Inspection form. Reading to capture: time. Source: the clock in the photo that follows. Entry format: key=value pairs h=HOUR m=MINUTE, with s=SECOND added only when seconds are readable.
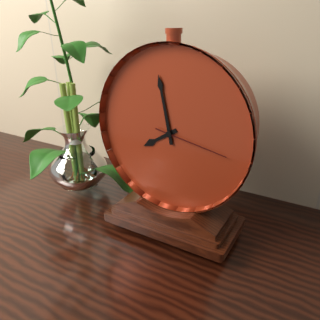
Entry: h=7 m=58 s=17
